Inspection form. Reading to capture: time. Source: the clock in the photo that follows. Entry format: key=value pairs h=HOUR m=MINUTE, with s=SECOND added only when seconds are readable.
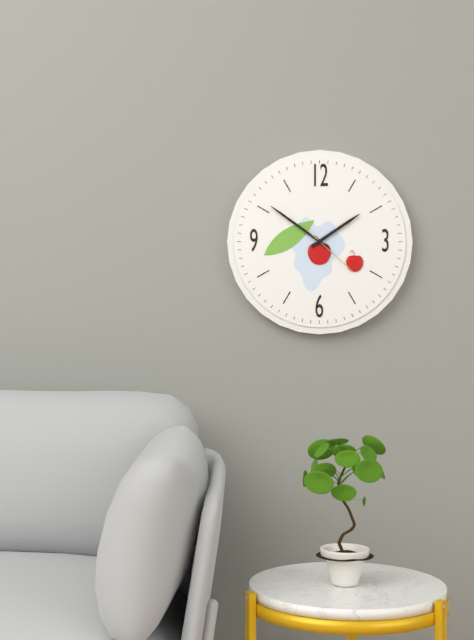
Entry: h=1 m=51 s=22
